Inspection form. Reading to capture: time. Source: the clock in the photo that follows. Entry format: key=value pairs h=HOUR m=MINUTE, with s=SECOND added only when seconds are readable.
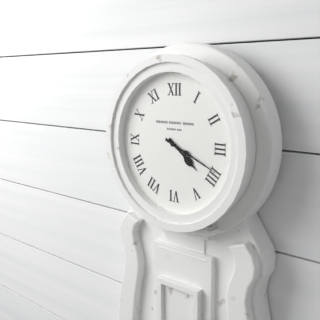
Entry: h=4 m=19
